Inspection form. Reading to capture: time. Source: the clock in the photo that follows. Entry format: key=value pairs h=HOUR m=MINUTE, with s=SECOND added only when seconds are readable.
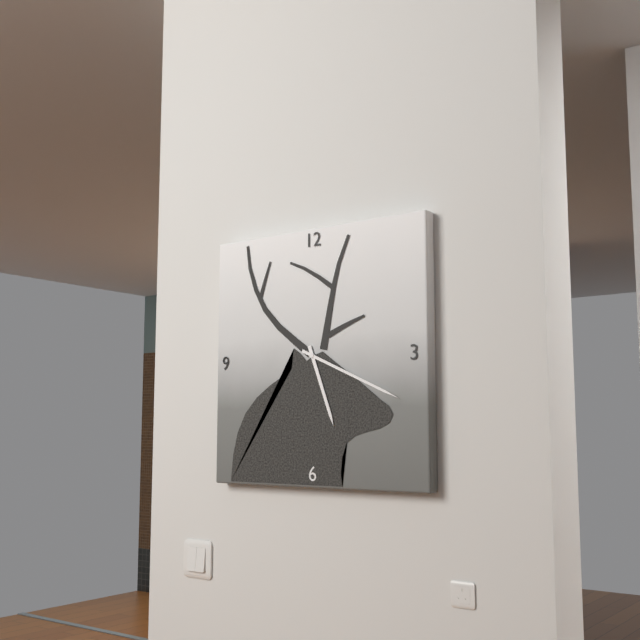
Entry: h=5 m=19
